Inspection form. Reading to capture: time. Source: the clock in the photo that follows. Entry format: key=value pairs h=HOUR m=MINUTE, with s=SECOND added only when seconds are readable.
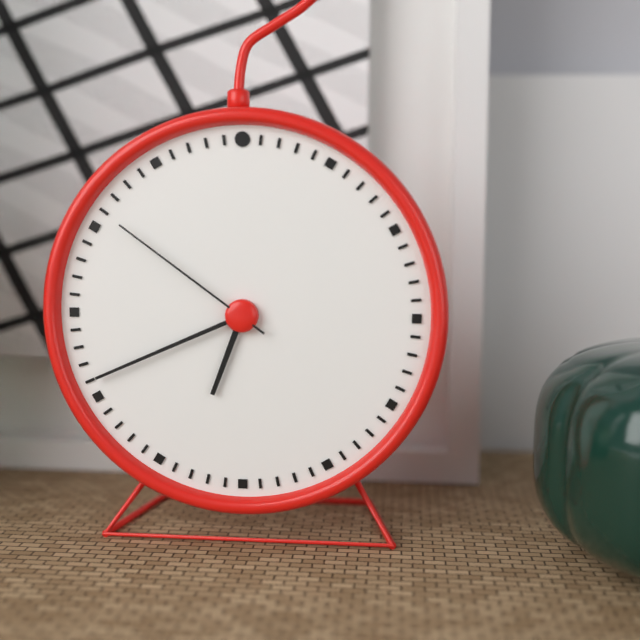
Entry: h=6 m=41 s=51
